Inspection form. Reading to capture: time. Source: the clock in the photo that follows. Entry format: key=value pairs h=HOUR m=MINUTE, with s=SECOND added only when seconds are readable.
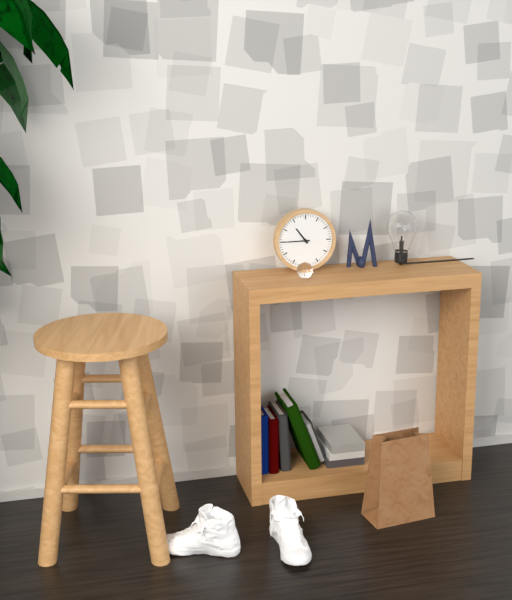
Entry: h=10 m=45
